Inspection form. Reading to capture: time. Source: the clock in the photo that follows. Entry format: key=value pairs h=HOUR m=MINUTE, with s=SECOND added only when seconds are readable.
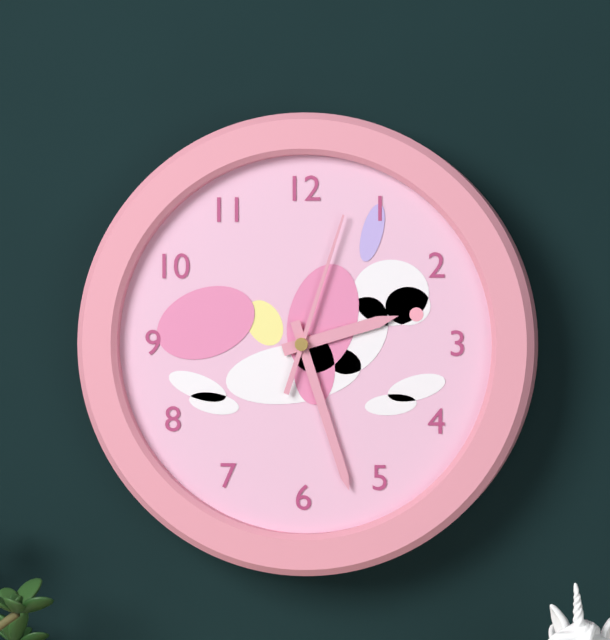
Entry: h=2 m=27 s=3
